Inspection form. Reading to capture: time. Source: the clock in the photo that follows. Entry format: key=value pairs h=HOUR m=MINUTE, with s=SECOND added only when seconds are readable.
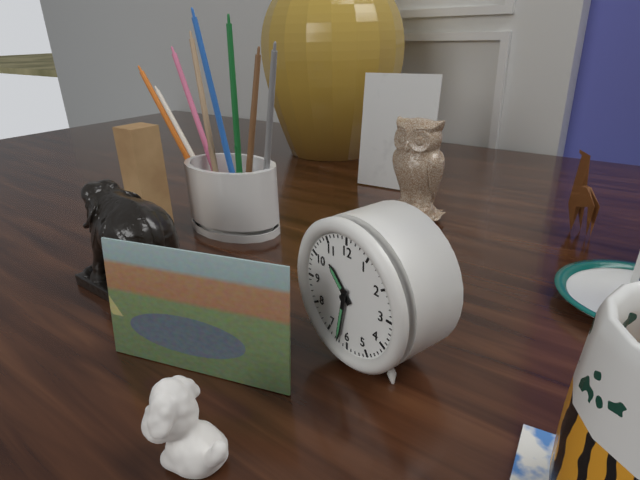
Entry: h=10 m=32
